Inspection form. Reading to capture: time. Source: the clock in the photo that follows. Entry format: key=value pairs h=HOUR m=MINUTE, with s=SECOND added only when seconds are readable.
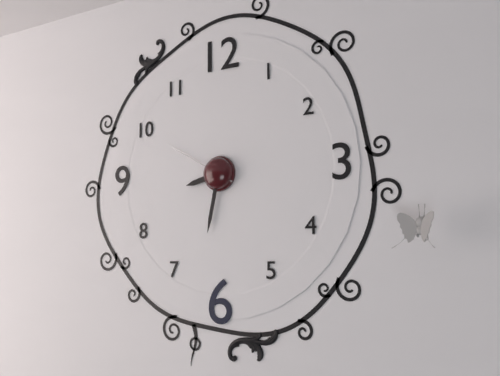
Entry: h=8 m=32 s=50
